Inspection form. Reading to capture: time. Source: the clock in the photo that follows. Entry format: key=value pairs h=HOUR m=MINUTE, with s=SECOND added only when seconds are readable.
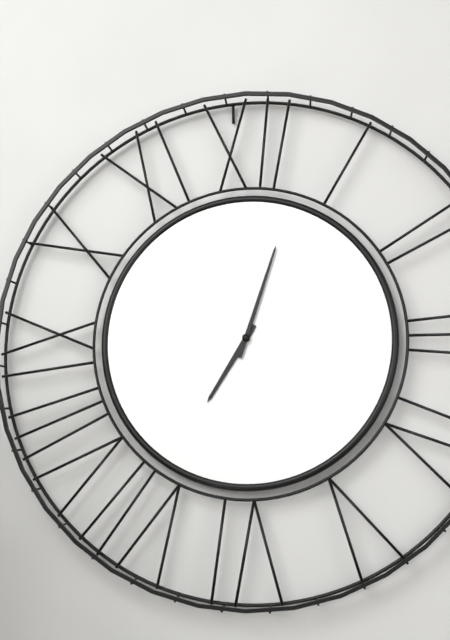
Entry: h=7 m=3
